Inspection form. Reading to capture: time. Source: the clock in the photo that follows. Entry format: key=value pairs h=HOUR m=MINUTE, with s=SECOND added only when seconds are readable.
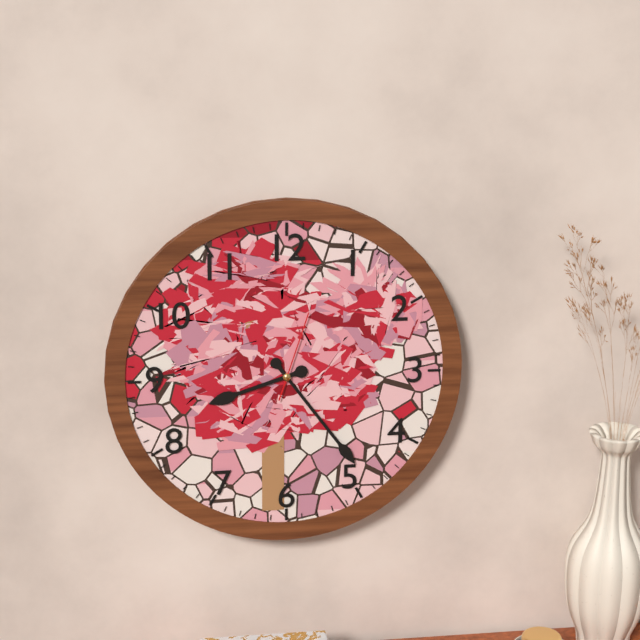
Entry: h=8 m=24 s=3
